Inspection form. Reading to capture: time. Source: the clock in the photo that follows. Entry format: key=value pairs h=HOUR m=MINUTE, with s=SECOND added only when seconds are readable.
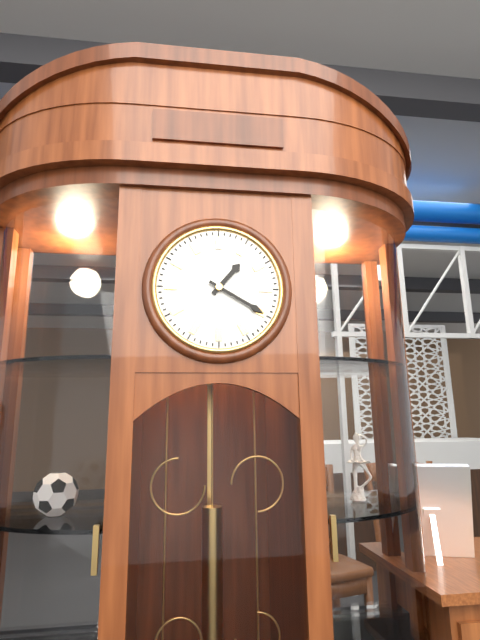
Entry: h=1 m=20
